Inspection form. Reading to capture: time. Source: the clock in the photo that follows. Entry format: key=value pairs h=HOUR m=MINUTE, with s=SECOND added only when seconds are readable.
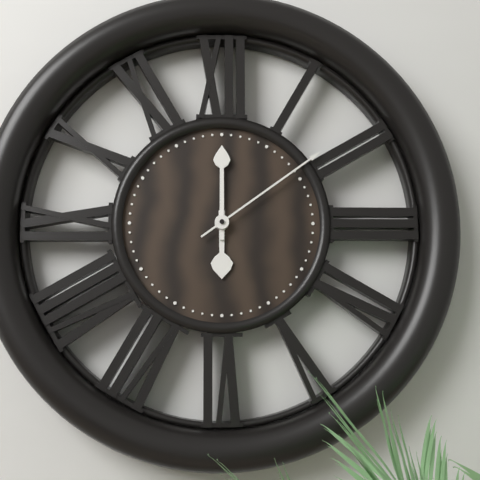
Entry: h=6 m=0 s=9
